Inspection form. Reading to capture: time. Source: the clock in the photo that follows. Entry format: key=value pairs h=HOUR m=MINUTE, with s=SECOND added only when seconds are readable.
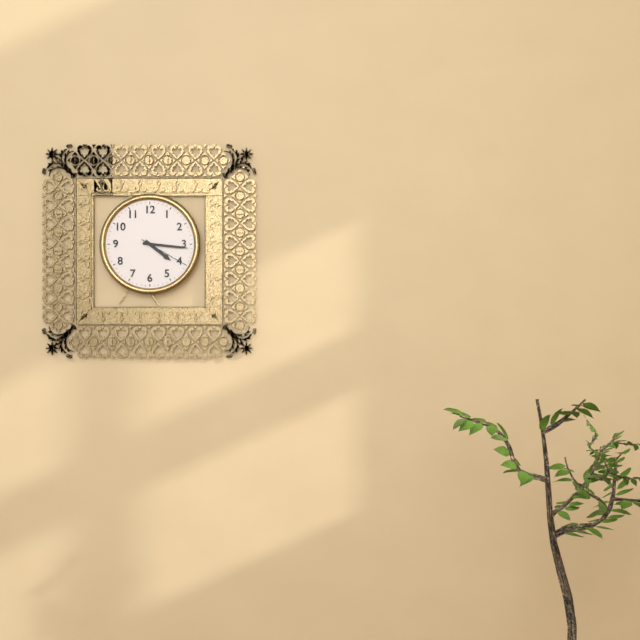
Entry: h=4 m=16 s=20
